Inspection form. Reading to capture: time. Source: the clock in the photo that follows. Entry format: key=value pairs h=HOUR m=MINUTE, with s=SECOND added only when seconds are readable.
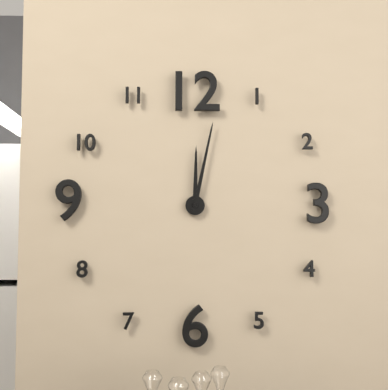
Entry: h=12 m=2
